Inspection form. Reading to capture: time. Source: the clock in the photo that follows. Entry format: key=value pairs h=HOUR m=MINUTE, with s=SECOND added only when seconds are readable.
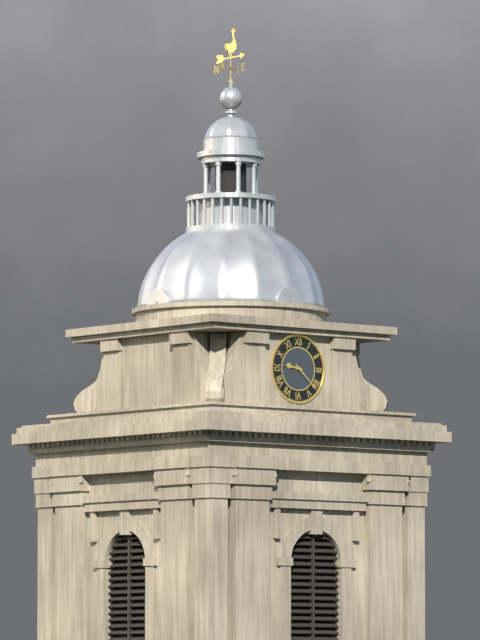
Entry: h=9 m=22
